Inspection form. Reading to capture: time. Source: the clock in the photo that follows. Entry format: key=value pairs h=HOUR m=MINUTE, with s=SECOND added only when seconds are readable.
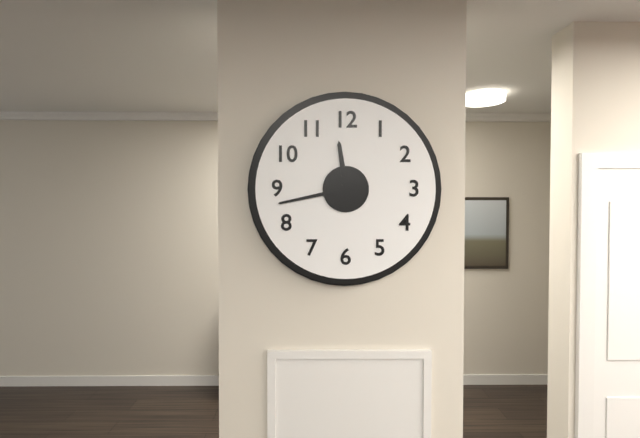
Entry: h=11 m=43
